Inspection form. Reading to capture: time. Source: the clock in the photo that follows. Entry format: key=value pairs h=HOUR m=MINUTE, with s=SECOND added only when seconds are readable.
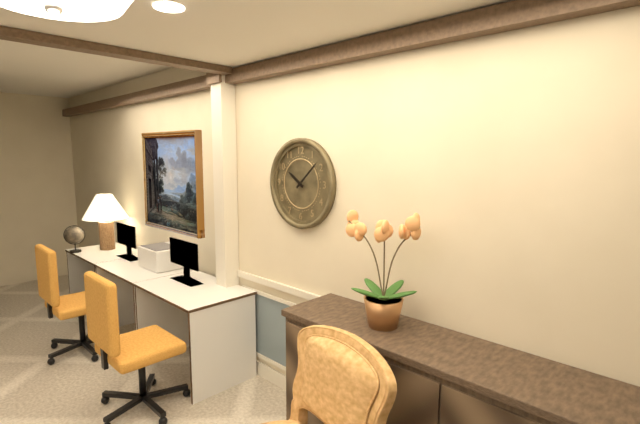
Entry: h=10 m=8
